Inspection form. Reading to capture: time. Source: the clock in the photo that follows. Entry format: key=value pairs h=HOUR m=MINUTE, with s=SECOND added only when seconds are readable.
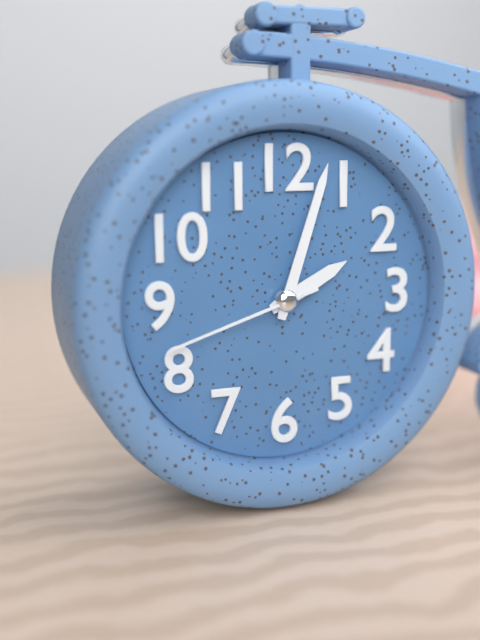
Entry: h=2 m=3 s=42
